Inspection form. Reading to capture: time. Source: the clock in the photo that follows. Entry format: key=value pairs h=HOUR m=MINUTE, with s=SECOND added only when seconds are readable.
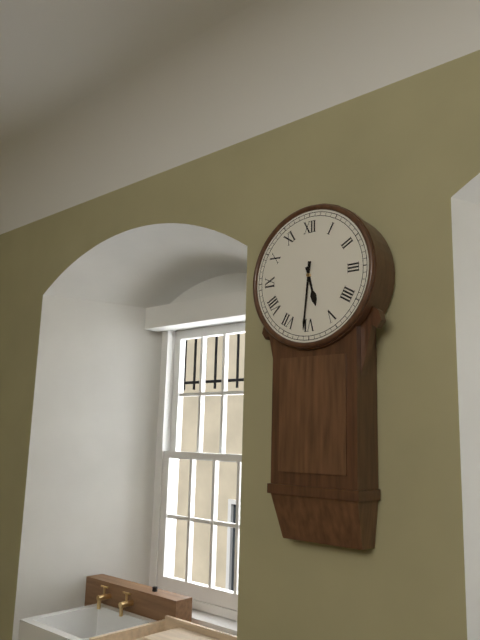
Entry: h=5 m=31
